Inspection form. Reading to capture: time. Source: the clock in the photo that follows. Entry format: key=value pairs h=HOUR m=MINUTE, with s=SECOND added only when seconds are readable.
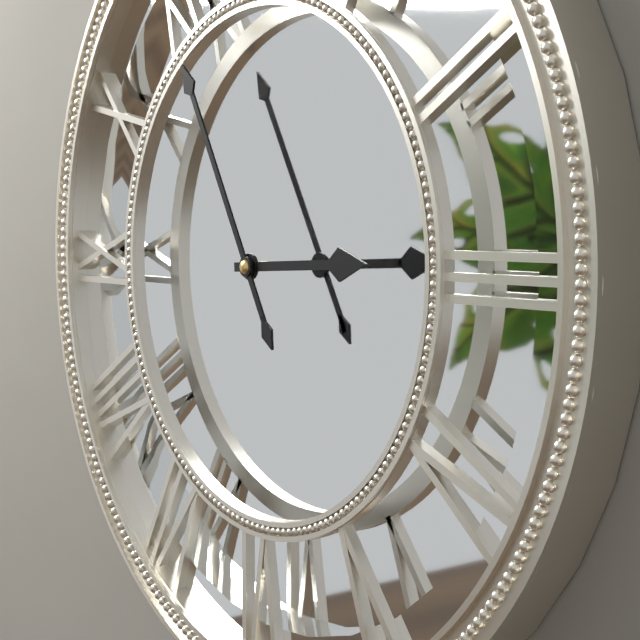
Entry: h=2 m=55
